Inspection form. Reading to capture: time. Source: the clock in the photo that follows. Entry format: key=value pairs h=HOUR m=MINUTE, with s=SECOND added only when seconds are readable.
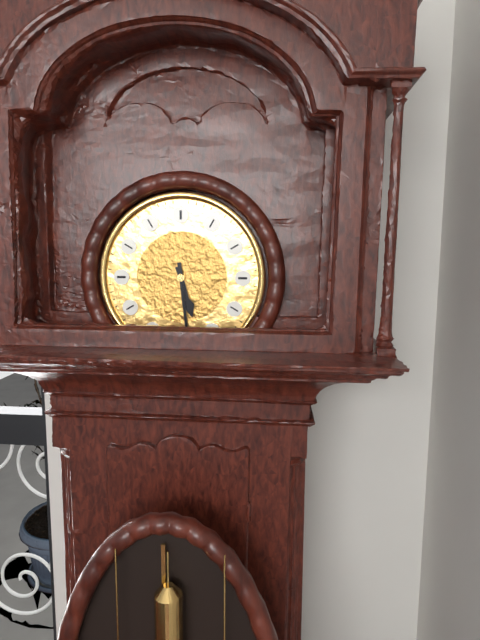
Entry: h=5 m=29
